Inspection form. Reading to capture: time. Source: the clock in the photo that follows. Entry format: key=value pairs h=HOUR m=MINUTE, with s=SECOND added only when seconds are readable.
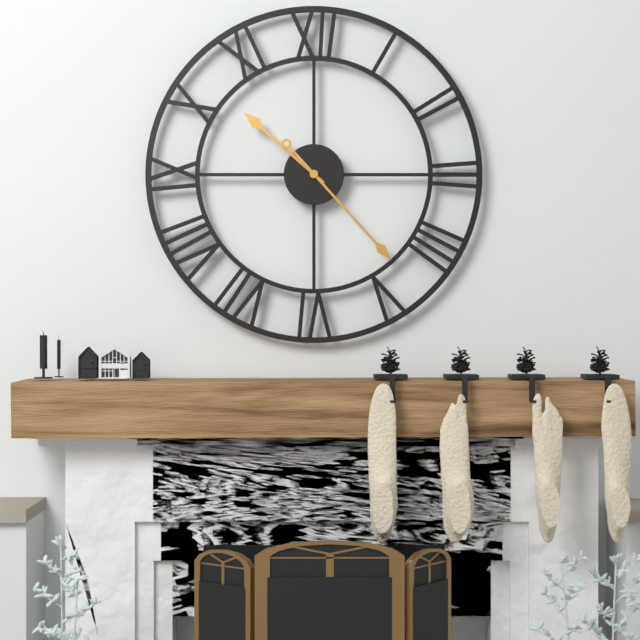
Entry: h=10 m=23
